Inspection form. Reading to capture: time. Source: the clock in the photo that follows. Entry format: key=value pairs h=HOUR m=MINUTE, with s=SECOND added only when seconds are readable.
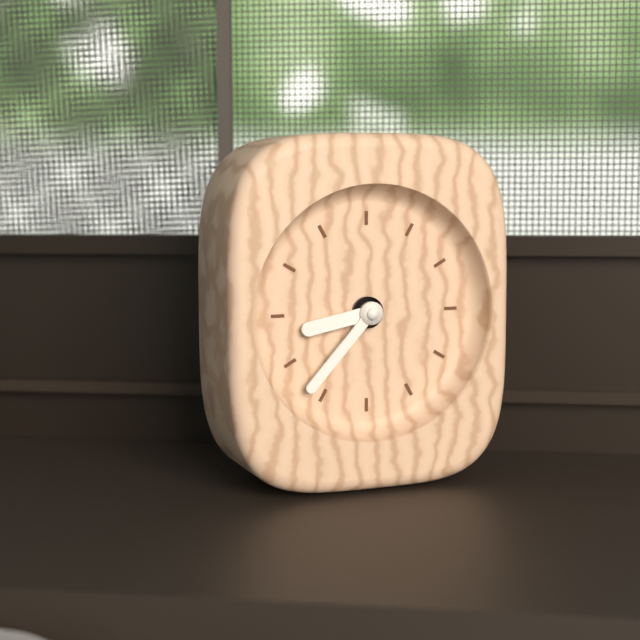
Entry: h=8 m=37
